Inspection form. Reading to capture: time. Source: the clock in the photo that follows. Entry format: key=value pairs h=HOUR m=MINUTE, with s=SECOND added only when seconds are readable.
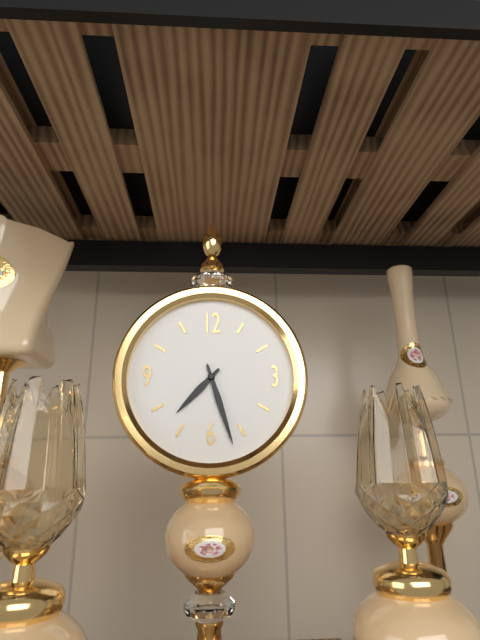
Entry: h=7 m=27
